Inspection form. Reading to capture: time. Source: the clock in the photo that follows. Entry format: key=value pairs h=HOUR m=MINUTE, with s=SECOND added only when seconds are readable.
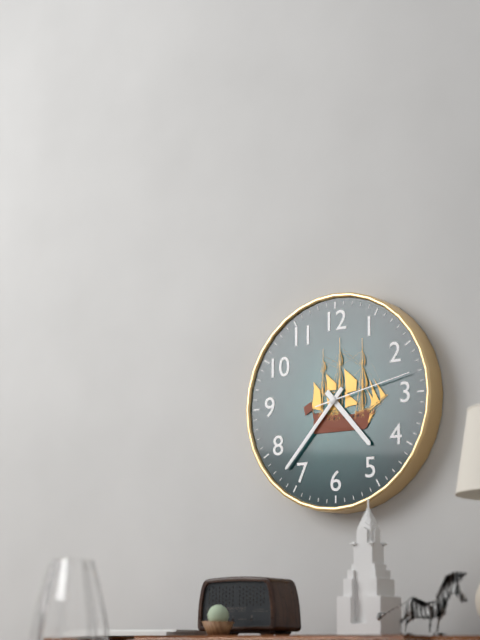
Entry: h=4 m=37 s=13
